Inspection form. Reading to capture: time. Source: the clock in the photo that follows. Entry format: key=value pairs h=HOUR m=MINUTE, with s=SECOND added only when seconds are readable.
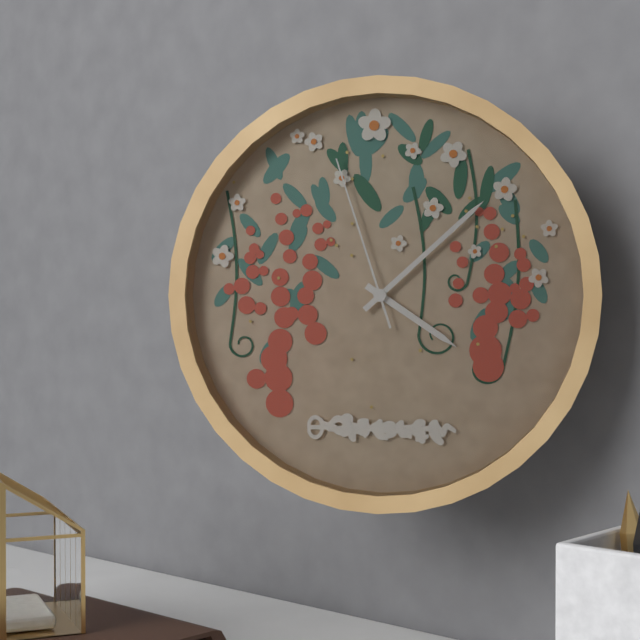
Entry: h=4 m=8 s=57
